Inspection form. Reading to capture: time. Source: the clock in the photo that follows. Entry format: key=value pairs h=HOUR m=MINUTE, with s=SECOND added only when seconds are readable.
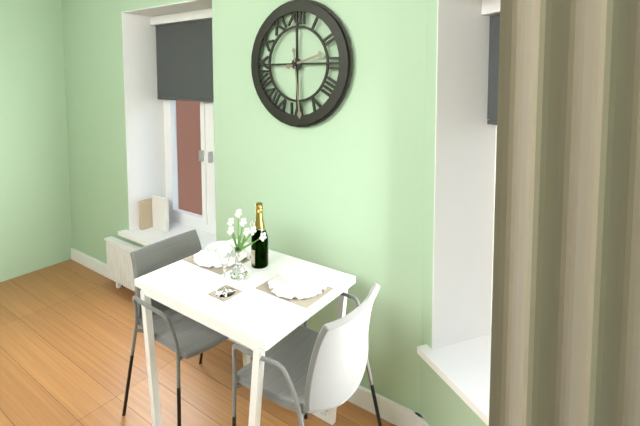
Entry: h=2 m=29
